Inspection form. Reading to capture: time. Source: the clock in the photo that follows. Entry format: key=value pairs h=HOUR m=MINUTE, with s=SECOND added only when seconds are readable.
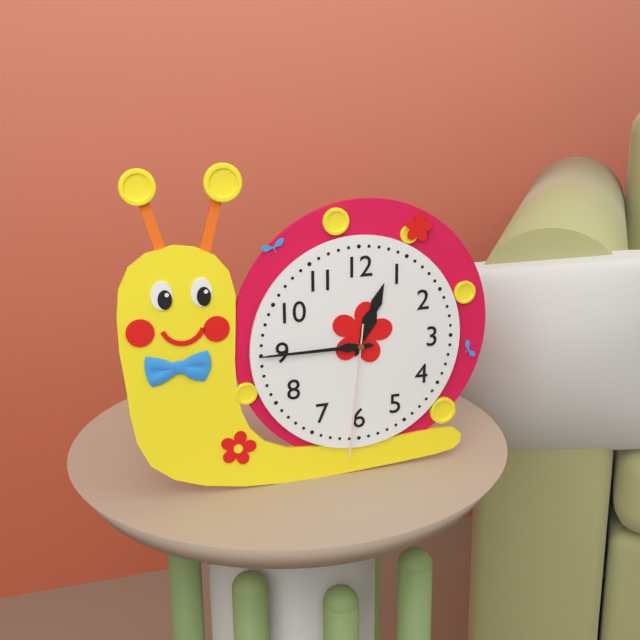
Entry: h=12 m=45 s=31
